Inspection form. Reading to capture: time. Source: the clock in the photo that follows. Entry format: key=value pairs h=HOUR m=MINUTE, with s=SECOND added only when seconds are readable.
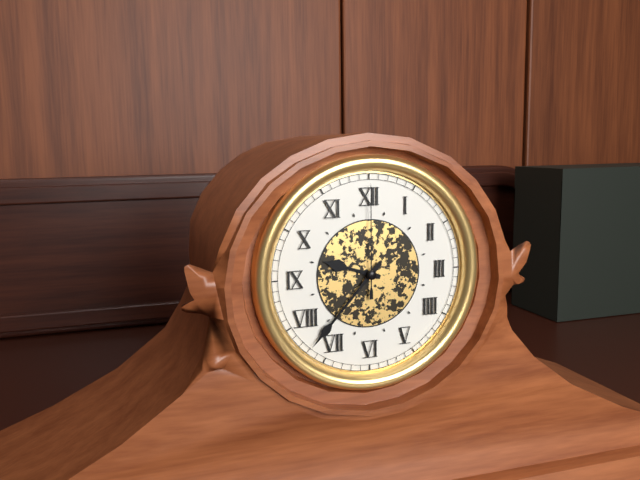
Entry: h=9 m=37 s=0
